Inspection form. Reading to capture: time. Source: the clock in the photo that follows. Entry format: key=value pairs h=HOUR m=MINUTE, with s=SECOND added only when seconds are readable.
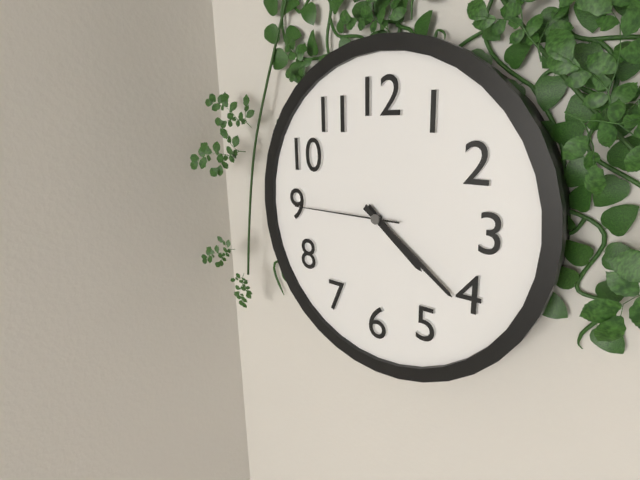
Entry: h=4 m=21 s=45
